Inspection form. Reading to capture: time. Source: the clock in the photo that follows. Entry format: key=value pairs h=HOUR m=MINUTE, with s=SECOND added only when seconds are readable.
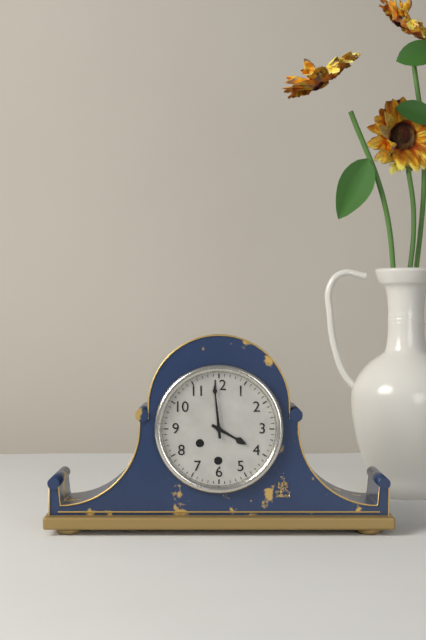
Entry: h=3 m=59
